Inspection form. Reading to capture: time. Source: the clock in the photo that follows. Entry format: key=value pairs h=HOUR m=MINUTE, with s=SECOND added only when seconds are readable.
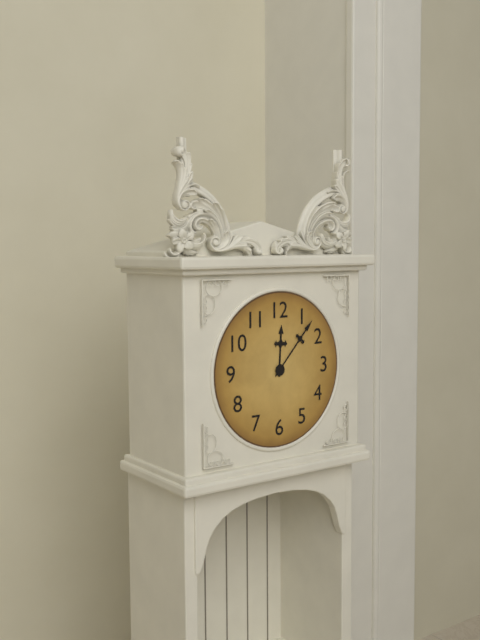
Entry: h=12 m=7
